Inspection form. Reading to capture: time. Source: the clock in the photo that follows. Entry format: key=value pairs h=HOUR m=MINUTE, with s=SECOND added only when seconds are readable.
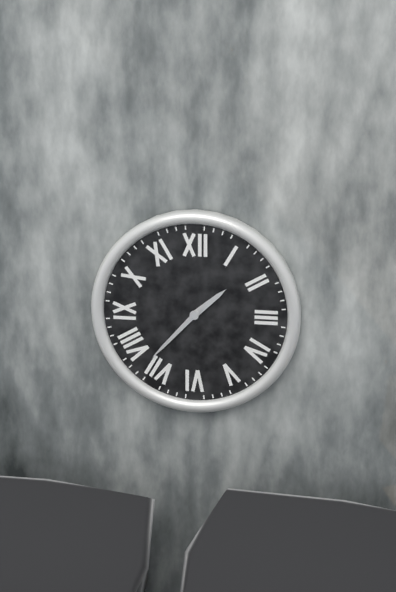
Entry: h=1 m=37
